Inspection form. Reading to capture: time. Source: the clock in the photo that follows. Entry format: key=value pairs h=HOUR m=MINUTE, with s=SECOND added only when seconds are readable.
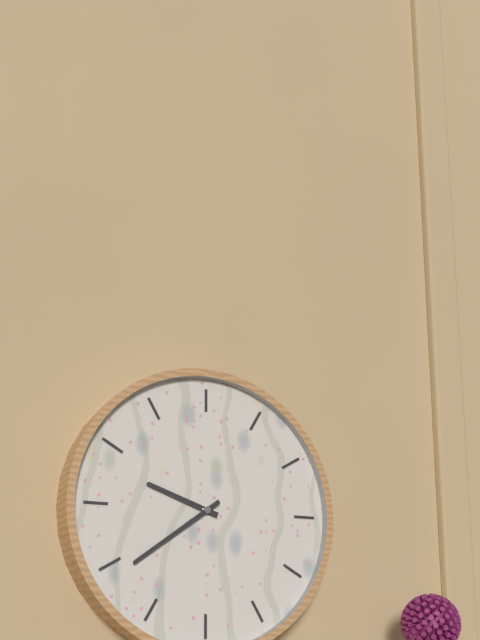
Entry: h=9 m=39
